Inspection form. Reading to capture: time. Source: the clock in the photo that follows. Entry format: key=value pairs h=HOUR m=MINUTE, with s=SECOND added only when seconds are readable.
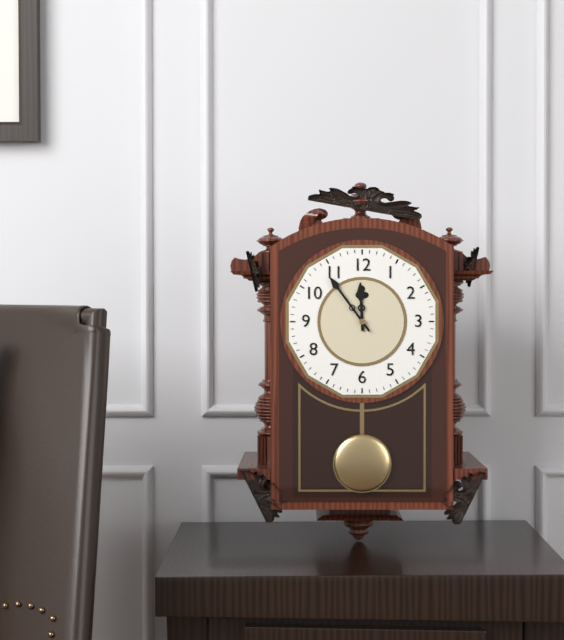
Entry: h=11 m=54
